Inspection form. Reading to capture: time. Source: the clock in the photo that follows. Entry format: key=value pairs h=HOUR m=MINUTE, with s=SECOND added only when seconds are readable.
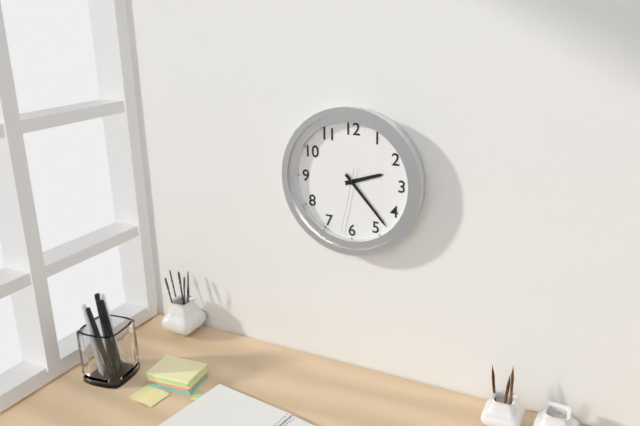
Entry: h=2 m=23 s=32
